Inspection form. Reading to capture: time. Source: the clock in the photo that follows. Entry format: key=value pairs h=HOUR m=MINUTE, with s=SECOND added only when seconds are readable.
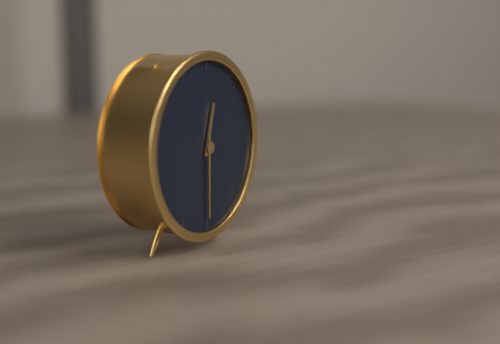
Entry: h=12 m=30
